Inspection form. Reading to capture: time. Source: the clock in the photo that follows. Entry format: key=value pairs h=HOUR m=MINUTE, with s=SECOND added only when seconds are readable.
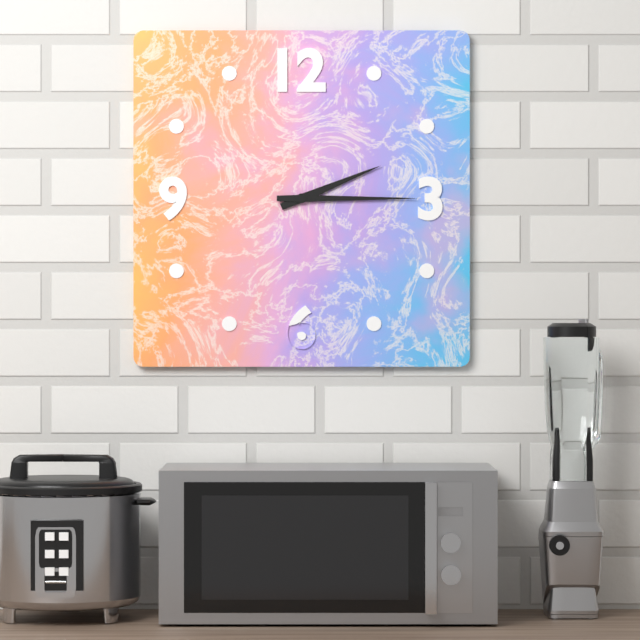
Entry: h=2 m=15
